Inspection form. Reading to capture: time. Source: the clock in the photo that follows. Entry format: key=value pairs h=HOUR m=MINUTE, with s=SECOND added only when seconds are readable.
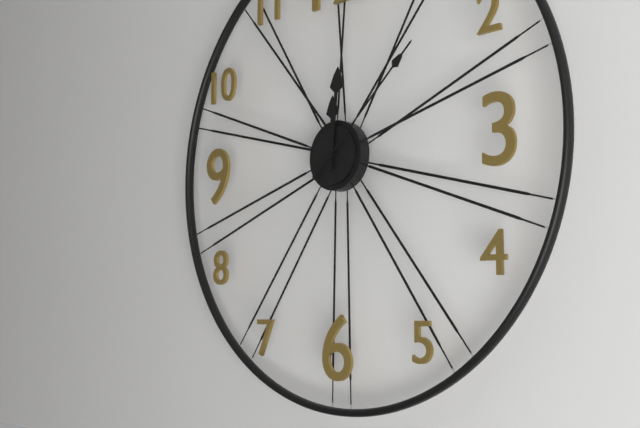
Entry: h=12 m=1 s=8
